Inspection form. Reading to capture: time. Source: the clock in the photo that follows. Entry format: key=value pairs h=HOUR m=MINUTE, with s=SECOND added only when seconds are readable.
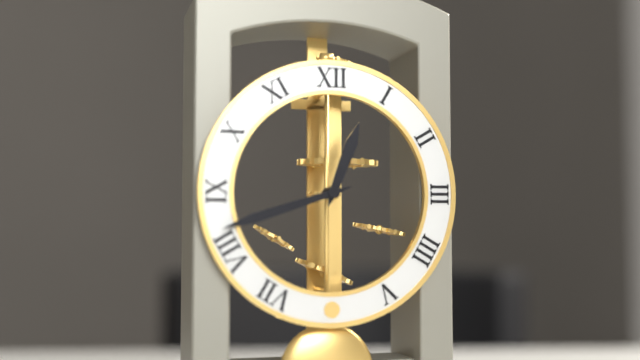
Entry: h=12 m=42
